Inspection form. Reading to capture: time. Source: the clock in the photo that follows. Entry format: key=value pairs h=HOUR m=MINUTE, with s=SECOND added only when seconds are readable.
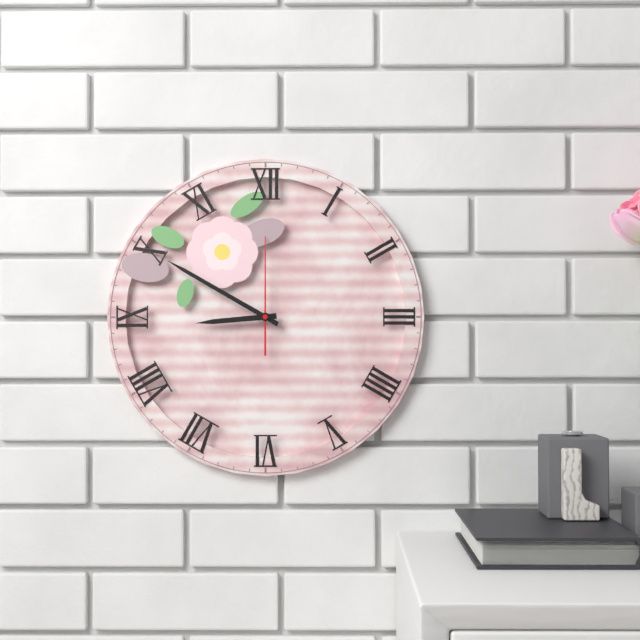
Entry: h=8 m=50 s=0
